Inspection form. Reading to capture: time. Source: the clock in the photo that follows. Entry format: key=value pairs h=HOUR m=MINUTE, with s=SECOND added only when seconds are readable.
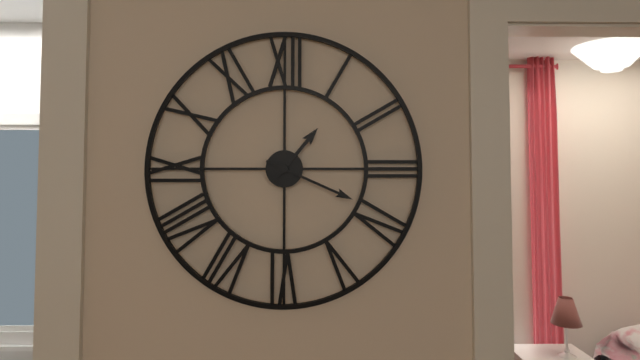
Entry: h=1 m=19
